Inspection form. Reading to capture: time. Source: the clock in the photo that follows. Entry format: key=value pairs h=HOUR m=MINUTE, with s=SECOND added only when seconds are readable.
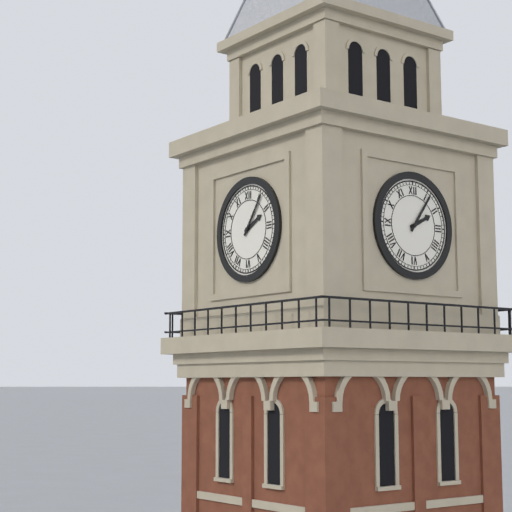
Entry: h=2 m=6
